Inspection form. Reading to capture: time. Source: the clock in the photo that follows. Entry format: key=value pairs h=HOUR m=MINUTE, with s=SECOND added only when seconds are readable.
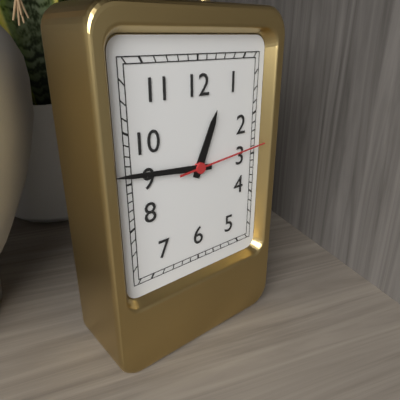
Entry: h=12 m=46 s=14
